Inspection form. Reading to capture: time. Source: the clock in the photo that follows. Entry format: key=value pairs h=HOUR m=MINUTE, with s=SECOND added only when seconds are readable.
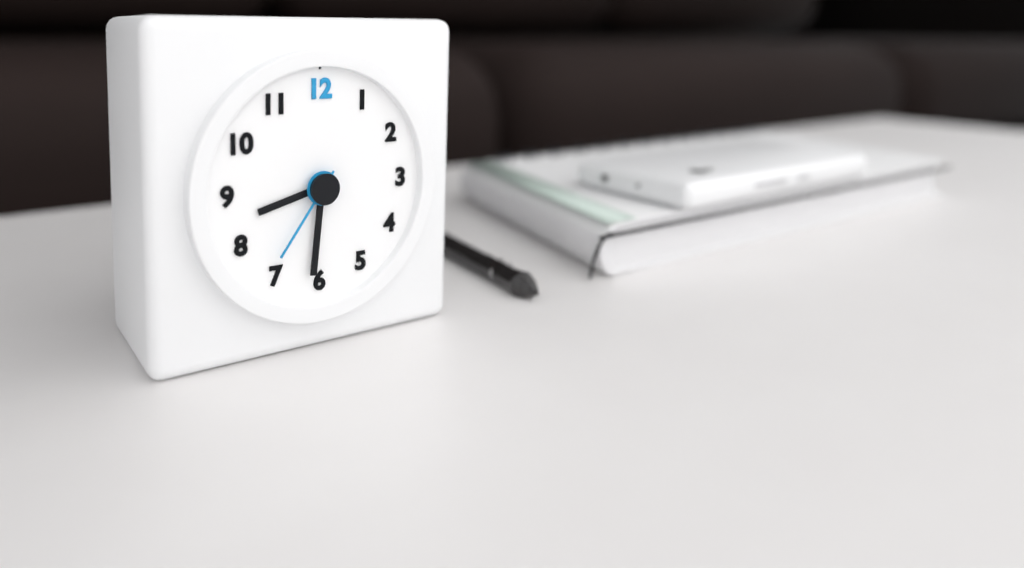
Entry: h=8 m=31 s=36
